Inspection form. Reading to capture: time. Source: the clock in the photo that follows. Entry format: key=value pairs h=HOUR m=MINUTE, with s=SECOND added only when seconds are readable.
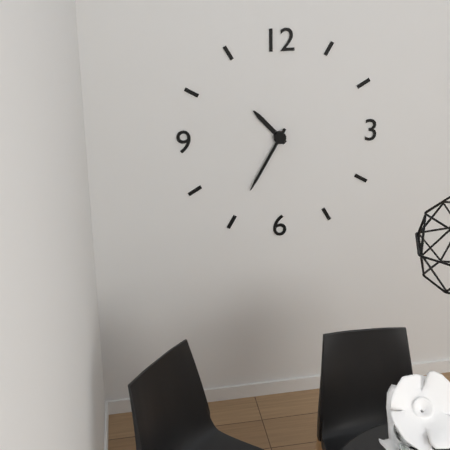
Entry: h=10 m=35
